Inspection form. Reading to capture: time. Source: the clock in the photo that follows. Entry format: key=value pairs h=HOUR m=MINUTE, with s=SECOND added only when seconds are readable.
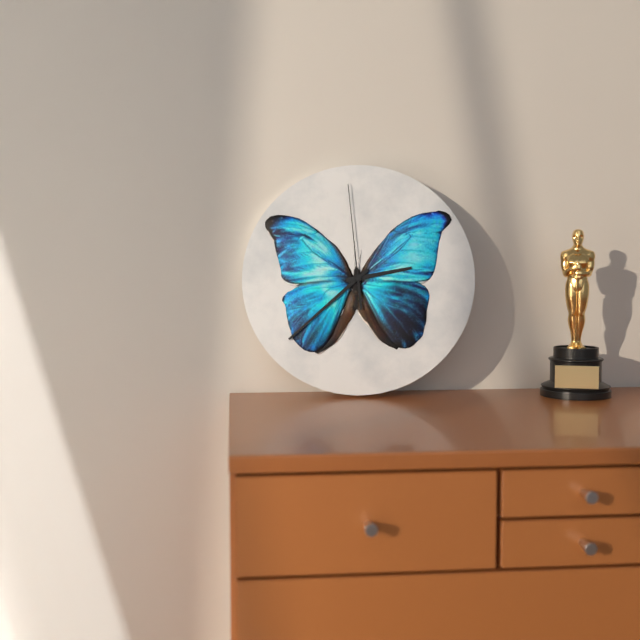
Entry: h=2 m=38 s=59
